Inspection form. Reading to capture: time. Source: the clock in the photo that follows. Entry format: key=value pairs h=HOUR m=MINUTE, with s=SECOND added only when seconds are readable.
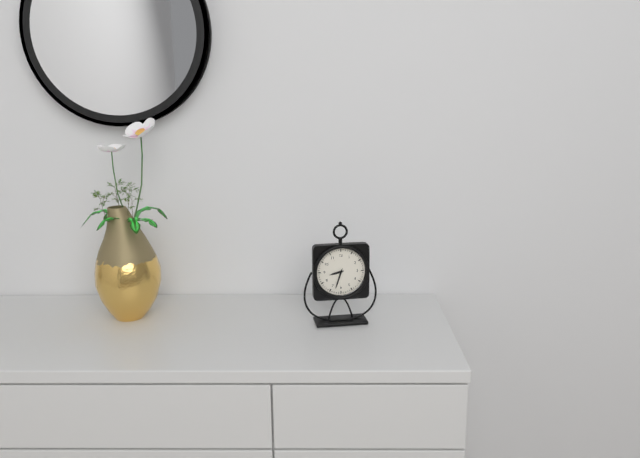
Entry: h=8 m=33
